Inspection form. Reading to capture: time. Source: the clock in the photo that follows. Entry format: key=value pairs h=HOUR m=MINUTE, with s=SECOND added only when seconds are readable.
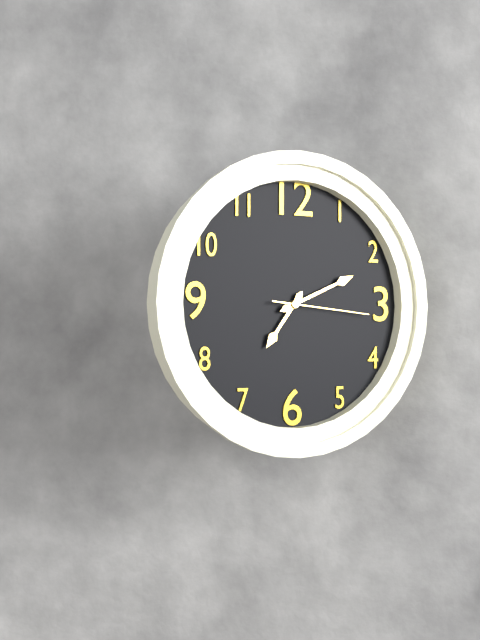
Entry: h=7 m=11 s=16
